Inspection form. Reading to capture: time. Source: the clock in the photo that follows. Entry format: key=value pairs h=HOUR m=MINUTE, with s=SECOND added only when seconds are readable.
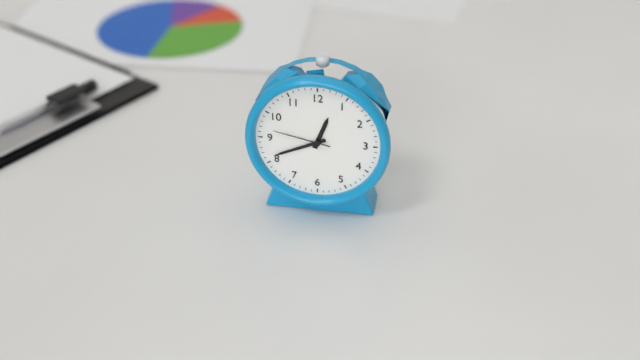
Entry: h=12 m=41 s=47
